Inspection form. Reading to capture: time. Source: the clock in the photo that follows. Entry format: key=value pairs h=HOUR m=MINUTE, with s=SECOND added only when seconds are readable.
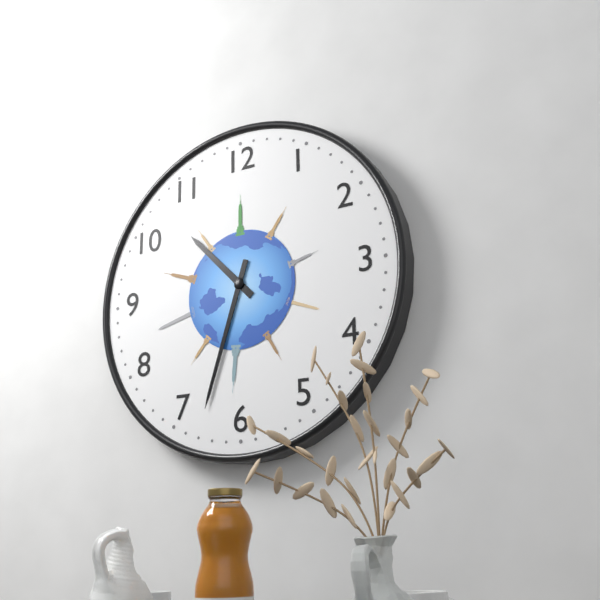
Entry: h=10 m=33
